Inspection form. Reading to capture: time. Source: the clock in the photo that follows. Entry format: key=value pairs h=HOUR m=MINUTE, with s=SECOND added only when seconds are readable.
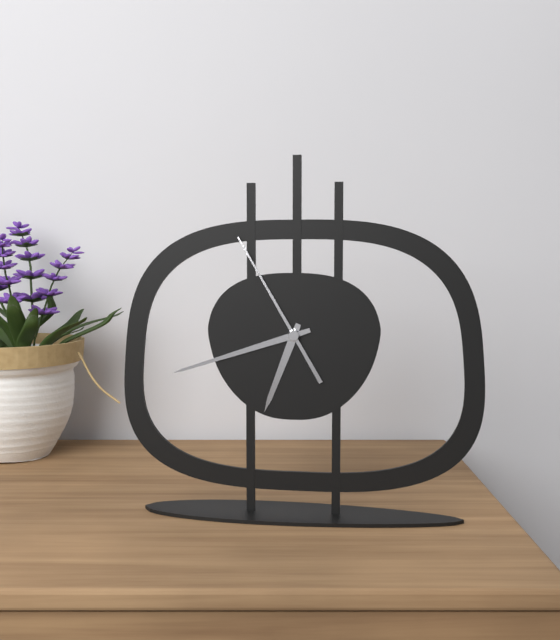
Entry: h=6 m=42 s=55
